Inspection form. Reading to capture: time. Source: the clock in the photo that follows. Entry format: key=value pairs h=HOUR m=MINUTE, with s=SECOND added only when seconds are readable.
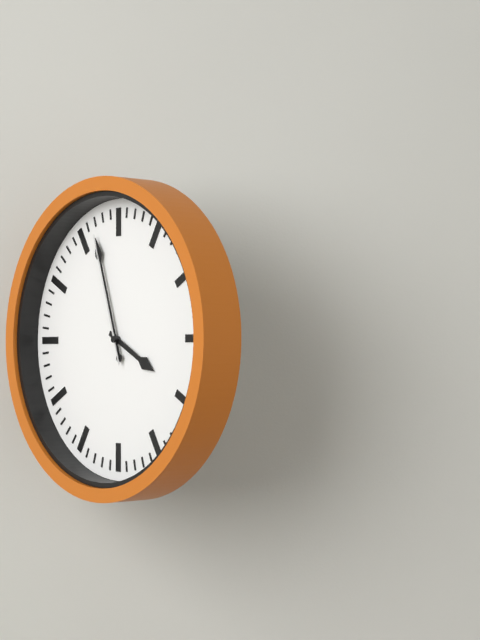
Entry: h=3 m=57 s=57
